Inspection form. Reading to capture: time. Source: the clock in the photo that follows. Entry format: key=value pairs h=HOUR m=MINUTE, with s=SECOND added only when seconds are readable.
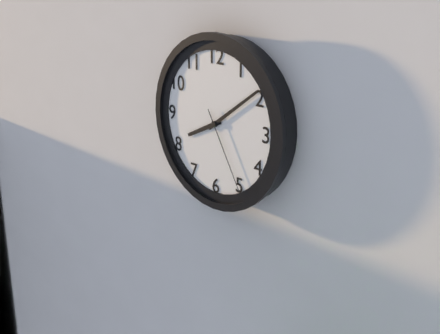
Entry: h=8 m=9 s=25
